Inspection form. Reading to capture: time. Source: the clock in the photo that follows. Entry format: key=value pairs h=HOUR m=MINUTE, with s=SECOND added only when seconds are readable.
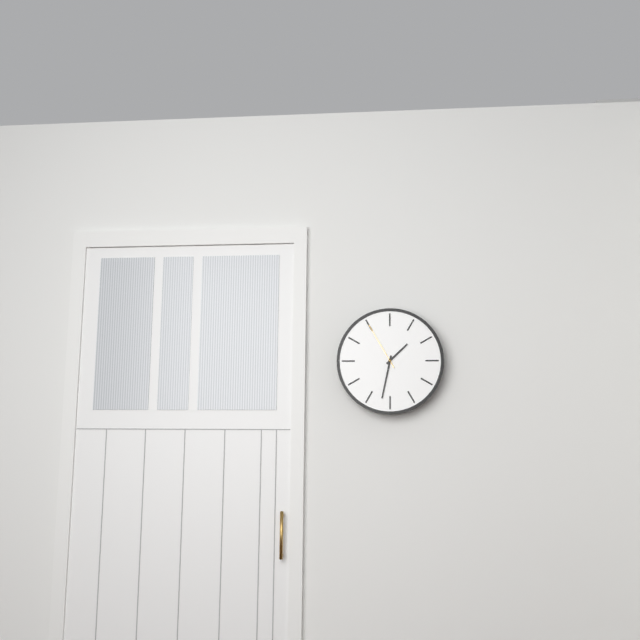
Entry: h=1 m=32 s=55
